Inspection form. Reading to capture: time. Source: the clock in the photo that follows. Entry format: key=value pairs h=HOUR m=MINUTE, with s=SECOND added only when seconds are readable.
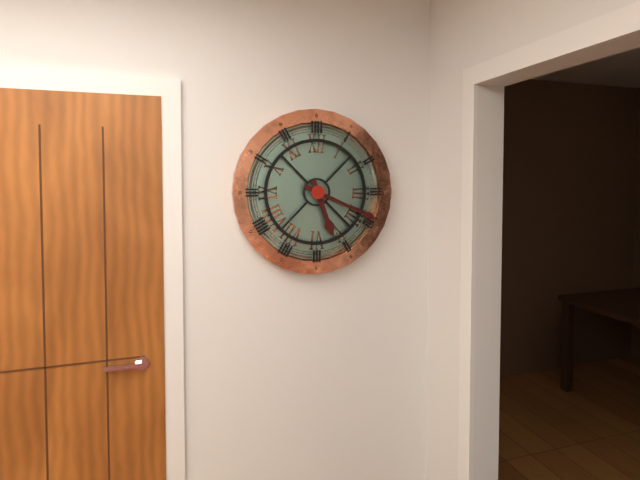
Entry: h=5 m=19
